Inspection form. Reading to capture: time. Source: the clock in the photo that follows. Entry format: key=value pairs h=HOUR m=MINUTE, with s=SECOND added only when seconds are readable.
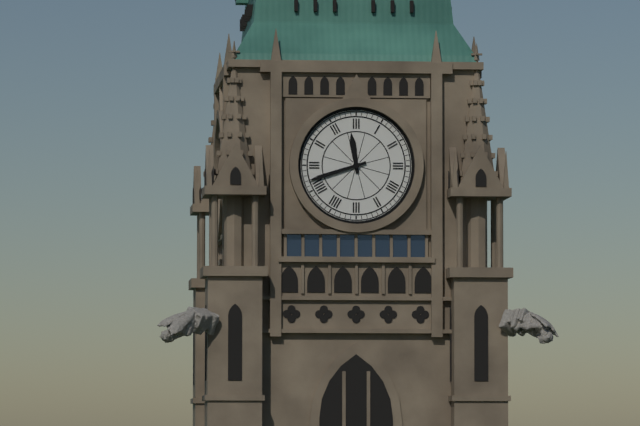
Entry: h=11 m=42
